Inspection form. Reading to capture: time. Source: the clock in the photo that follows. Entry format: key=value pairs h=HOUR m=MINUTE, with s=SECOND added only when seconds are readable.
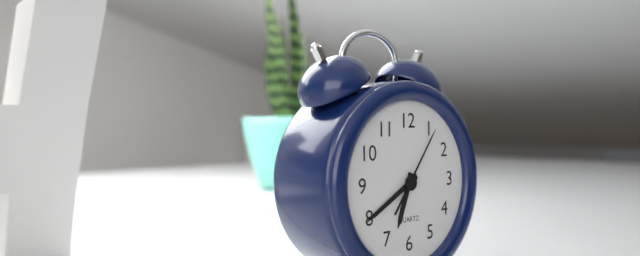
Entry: h=6 m=40 s=6
